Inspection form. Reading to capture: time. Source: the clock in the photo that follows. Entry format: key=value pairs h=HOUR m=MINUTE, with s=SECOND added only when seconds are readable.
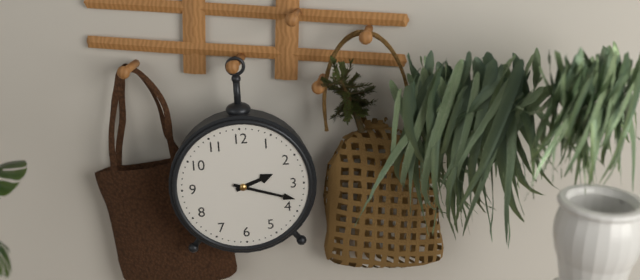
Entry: h=2 m=18
